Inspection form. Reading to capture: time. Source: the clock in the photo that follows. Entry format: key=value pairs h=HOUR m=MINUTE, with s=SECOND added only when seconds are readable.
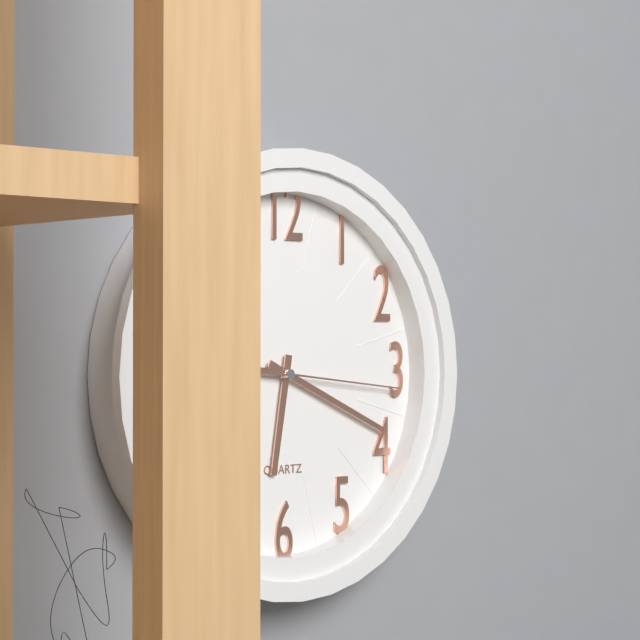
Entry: h=6 m=19 s=16
